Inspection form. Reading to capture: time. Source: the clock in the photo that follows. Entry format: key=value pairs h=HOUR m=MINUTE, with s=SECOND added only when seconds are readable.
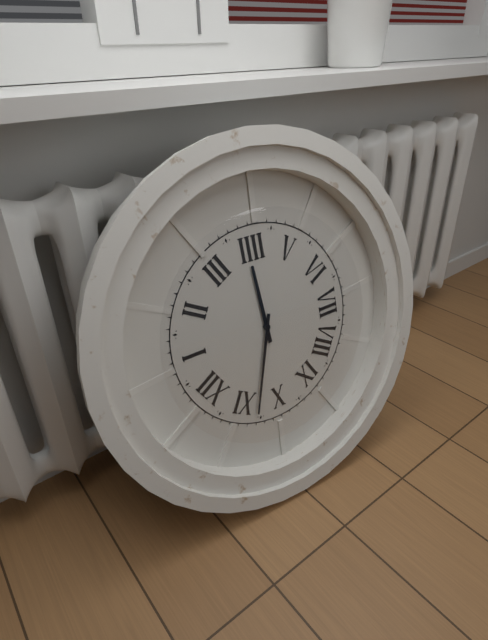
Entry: h=3 m=53
